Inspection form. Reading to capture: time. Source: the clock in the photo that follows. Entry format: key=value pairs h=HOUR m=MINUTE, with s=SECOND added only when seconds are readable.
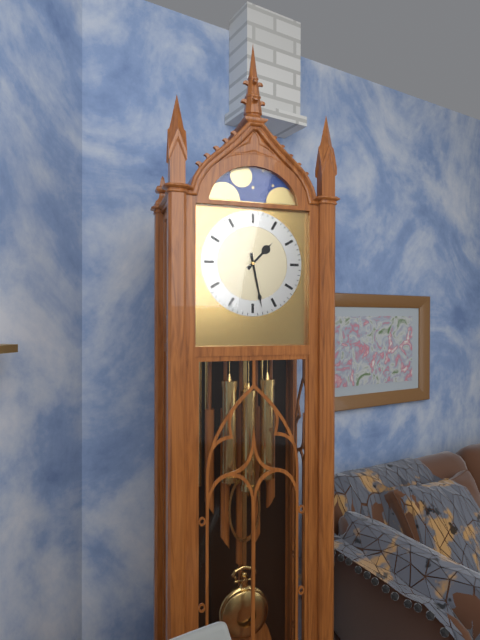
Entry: h=1 m=28
